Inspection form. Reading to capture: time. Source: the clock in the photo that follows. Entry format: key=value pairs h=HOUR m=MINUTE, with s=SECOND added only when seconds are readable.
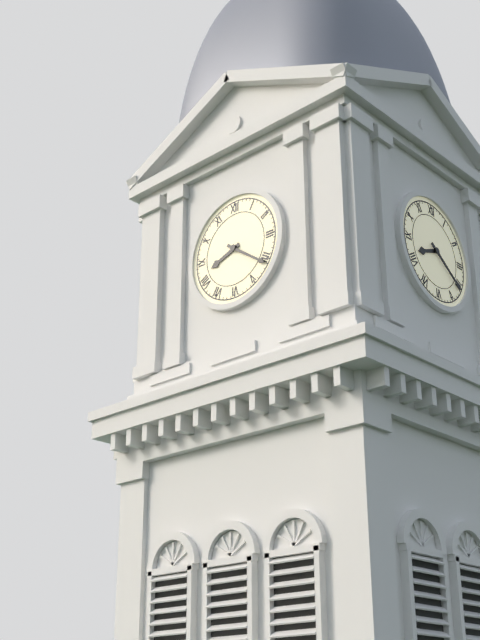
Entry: h=8 m=21
